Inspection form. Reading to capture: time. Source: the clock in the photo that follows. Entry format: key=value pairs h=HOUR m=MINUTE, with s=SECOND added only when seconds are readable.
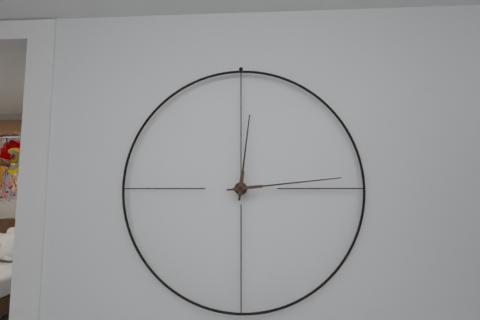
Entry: h=12 m=14
